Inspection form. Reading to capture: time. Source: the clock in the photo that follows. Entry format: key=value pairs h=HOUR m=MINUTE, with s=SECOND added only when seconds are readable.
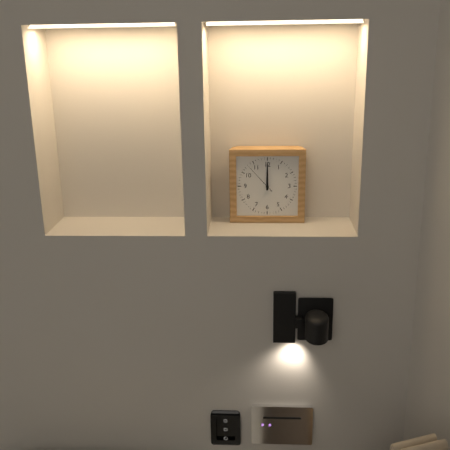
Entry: h=12 m=0
